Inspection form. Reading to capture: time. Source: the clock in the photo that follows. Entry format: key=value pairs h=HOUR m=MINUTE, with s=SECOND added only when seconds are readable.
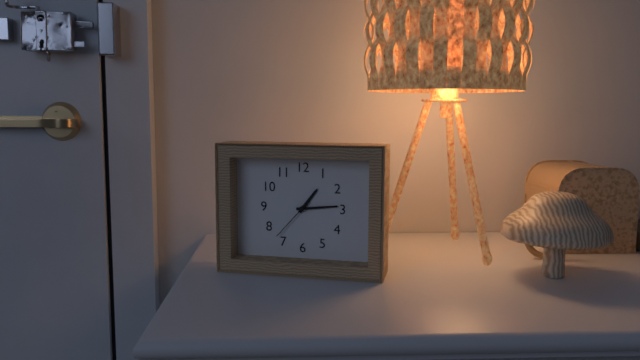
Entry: h=1 m=14
